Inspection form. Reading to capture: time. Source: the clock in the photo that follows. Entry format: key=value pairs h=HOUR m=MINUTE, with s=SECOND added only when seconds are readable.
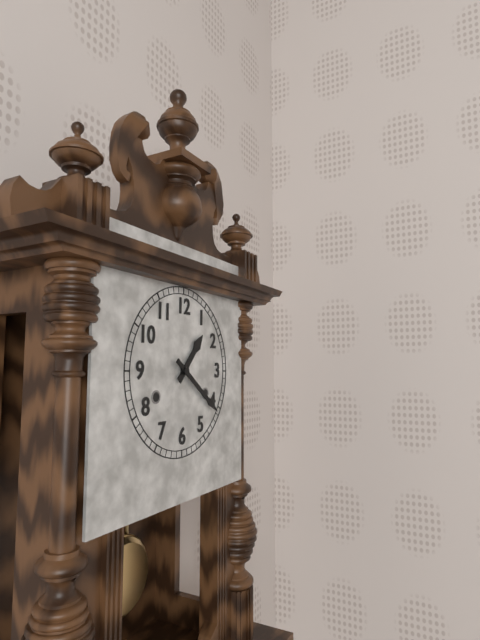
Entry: h=1 m=21
